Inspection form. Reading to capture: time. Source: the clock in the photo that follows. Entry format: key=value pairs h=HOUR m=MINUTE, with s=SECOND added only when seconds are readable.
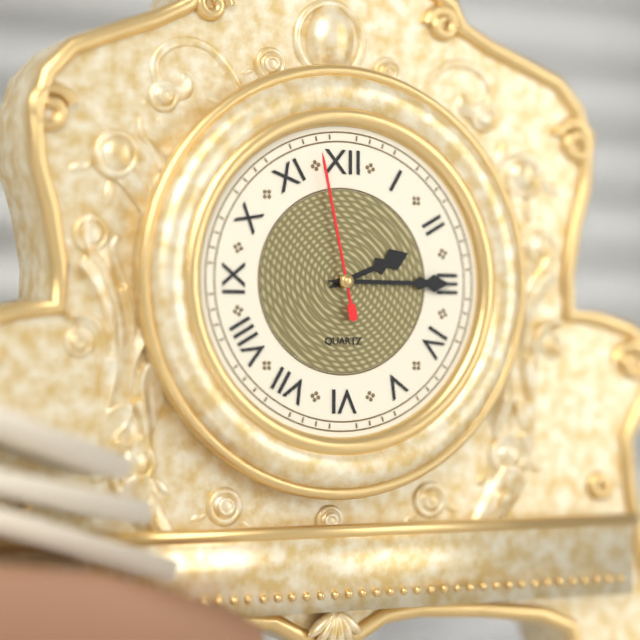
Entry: h=2 m=15 s=58
